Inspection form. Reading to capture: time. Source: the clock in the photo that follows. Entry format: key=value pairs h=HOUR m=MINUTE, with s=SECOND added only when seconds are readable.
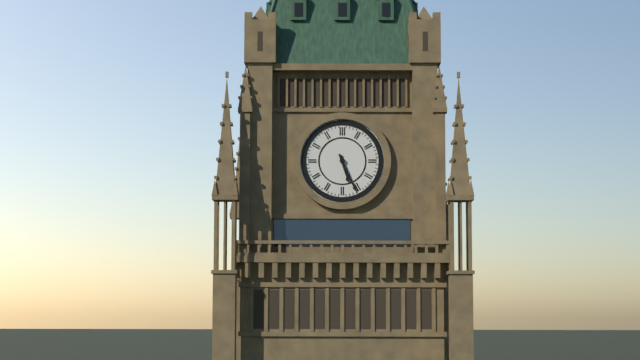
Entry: h=5 m=26
